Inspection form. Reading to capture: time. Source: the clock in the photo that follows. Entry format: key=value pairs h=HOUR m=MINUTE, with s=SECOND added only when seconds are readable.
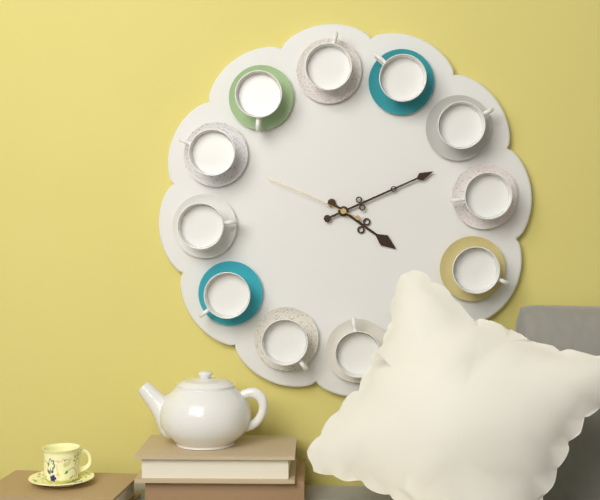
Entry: h=4 m=11 s=49
